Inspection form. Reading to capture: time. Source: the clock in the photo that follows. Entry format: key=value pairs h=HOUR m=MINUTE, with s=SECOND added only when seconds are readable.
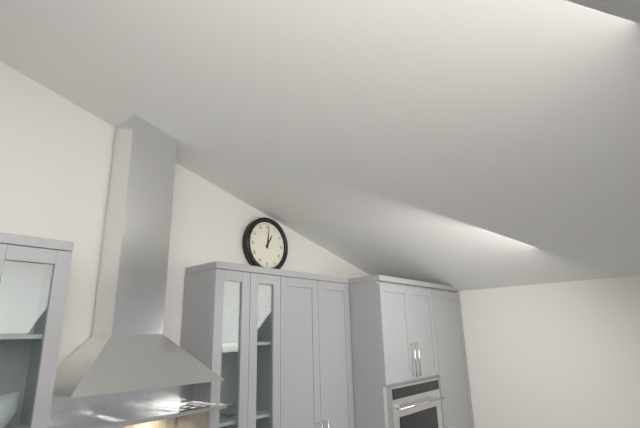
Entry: h=1 m=1
